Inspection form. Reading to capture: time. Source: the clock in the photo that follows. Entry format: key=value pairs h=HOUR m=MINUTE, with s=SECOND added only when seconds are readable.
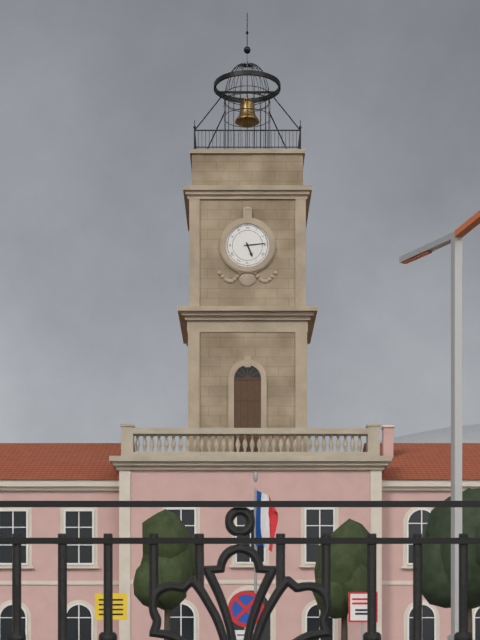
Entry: h=5 m=14
